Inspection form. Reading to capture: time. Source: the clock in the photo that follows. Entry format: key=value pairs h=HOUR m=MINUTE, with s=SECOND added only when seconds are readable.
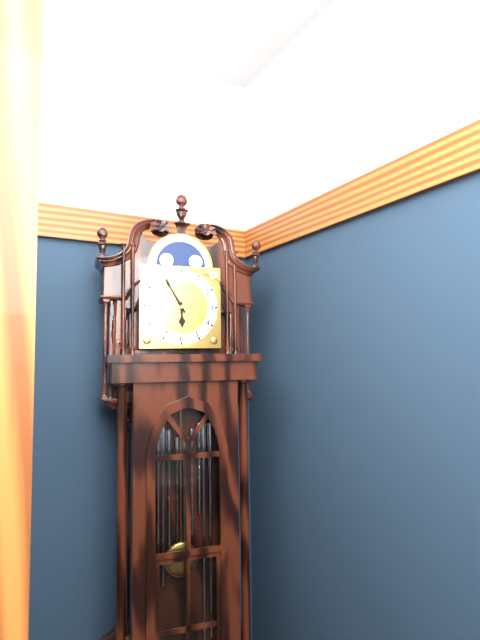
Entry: h=5 m=55
